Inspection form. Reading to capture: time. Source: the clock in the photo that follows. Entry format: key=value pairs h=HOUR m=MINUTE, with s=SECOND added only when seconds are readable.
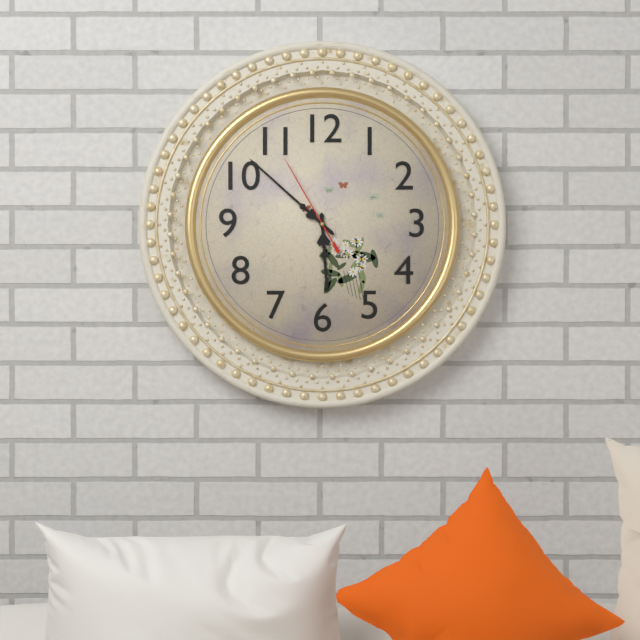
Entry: h=5 m=52 s=55
